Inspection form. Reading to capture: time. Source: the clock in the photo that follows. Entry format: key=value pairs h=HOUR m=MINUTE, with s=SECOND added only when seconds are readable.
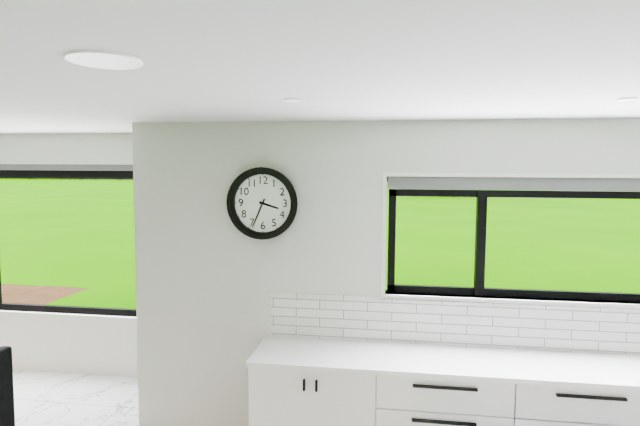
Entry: h=3 m=34
